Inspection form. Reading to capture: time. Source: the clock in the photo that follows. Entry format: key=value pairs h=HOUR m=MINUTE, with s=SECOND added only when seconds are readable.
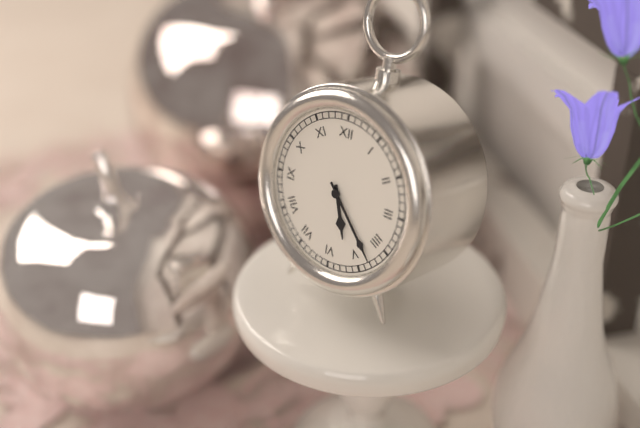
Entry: h=5 m=23
